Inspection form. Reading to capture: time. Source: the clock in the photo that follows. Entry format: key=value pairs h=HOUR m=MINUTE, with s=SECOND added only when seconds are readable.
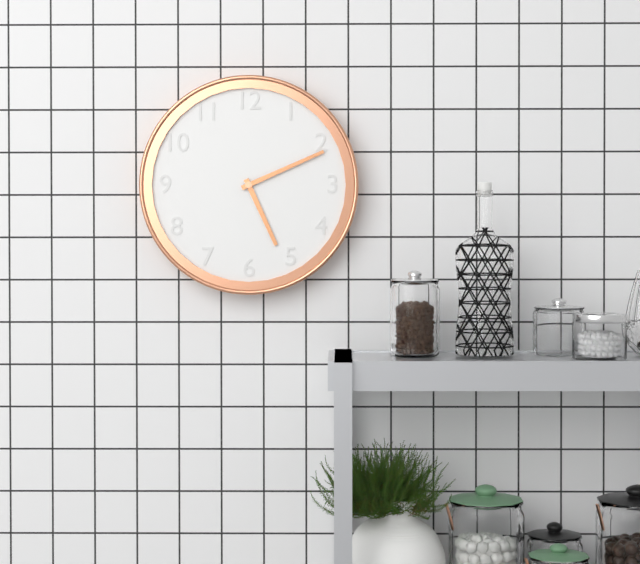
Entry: h=5 m=11
